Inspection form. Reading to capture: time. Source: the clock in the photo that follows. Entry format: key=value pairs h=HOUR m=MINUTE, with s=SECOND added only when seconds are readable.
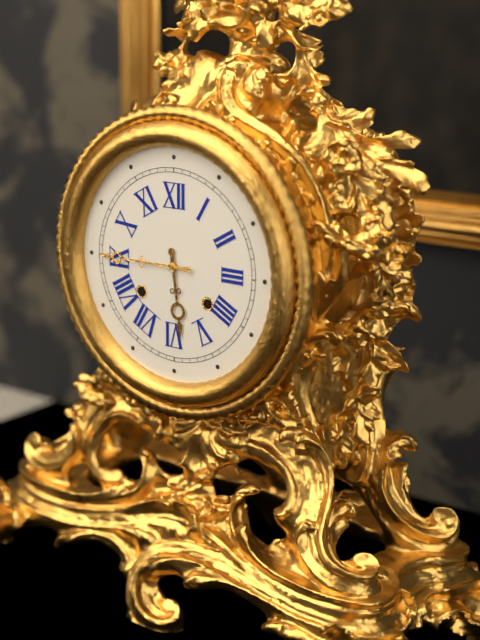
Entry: h=5 m=45
